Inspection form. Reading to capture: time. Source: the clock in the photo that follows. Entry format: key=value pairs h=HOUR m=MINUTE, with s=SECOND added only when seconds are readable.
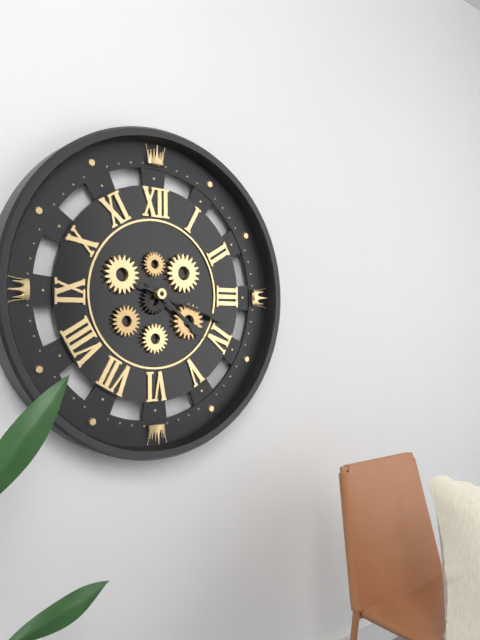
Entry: h=4 m=18
